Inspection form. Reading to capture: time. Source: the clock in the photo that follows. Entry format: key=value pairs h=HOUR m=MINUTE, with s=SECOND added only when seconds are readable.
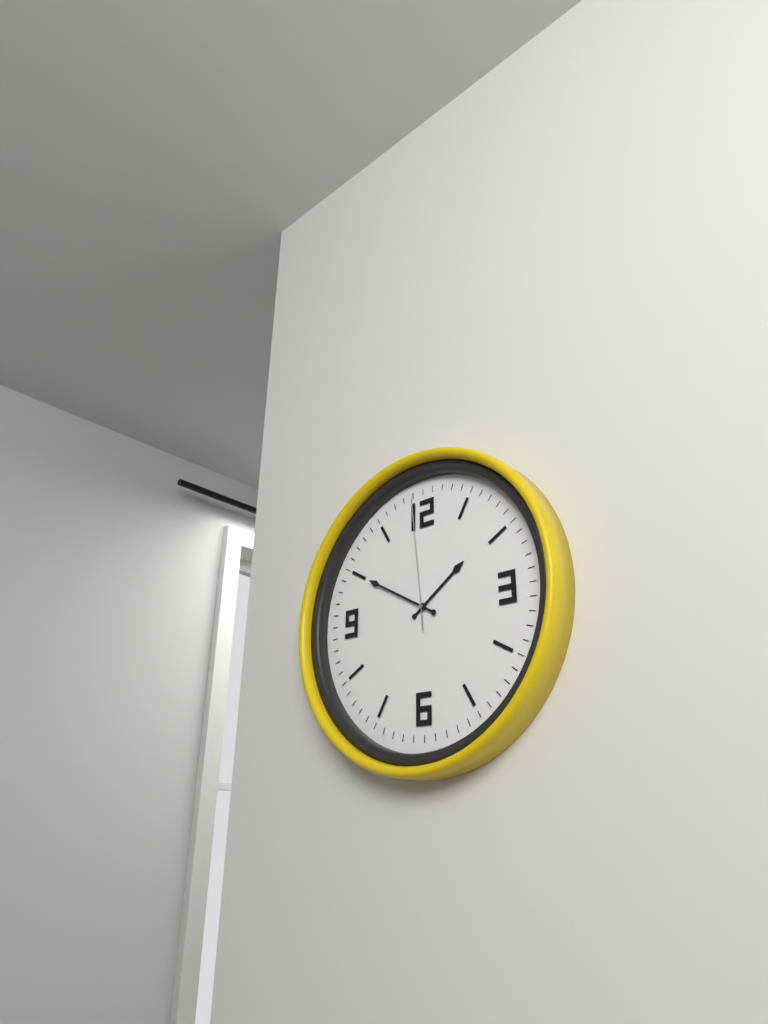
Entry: h=1 m=50 s=59
